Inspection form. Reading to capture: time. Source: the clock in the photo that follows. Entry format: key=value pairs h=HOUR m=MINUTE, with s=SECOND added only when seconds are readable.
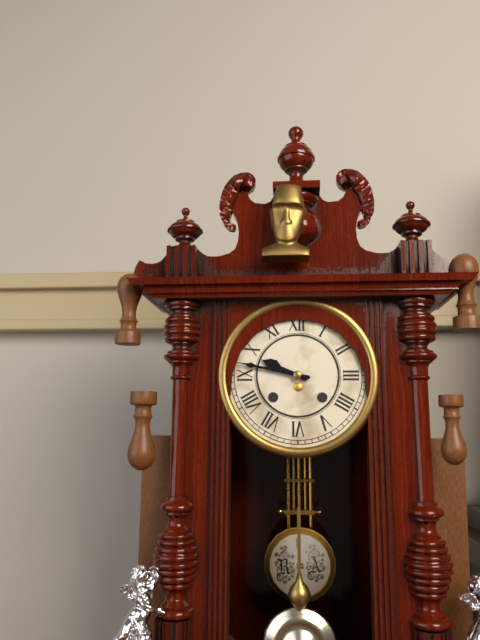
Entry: h=9 m=47
